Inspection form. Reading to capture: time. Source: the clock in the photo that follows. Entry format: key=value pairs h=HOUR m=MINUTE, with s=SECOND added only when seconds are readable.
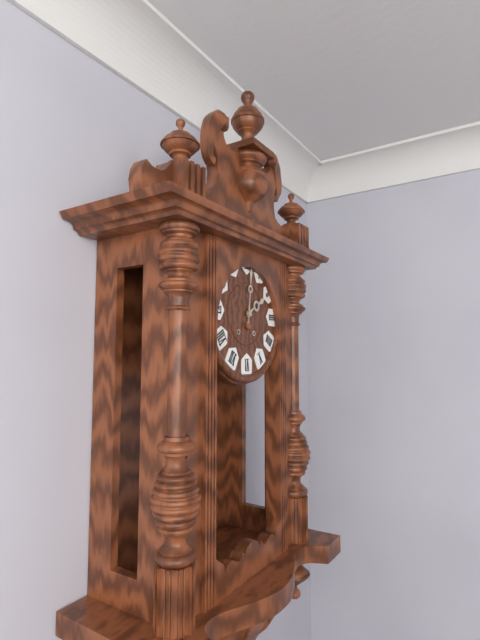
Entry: h=2 m=1
